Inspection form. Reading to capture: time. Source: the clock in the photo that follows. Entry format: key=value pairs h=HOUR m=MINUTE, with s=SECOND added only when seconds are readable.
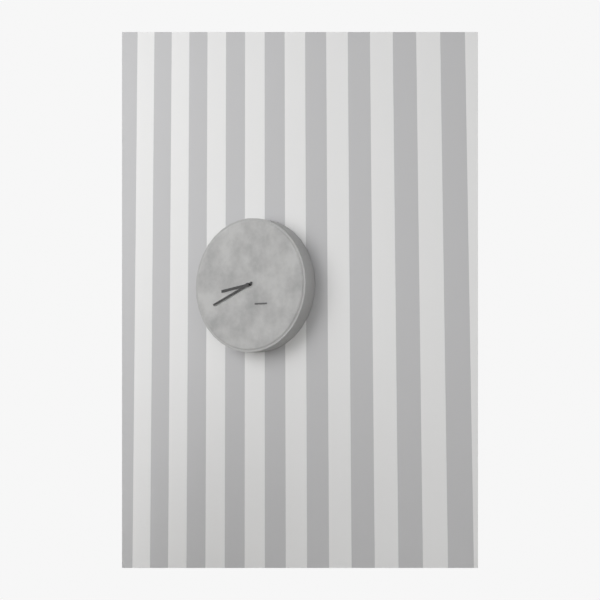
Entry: h=8 m=41
